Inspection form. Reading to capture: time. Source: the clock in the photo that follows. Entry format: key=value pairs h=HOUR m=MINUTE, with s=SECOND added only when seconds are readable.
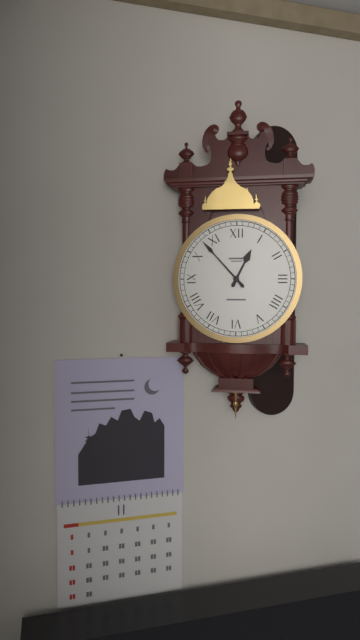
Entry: h=12 m=53
